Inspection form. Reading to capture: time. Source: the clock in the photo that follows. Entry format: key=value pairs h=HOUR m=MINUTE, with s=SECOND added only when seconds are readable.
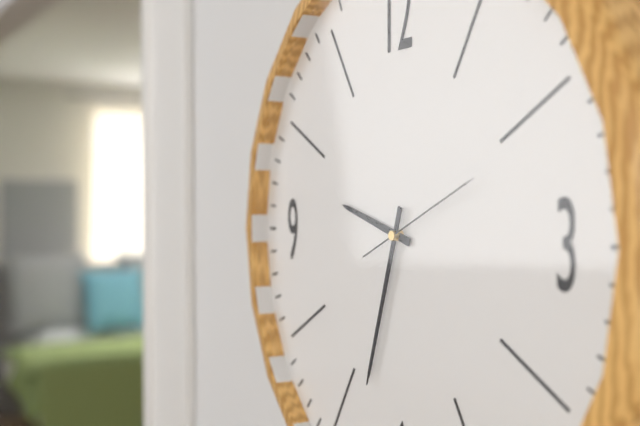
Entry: h=9 m=33 s=11
